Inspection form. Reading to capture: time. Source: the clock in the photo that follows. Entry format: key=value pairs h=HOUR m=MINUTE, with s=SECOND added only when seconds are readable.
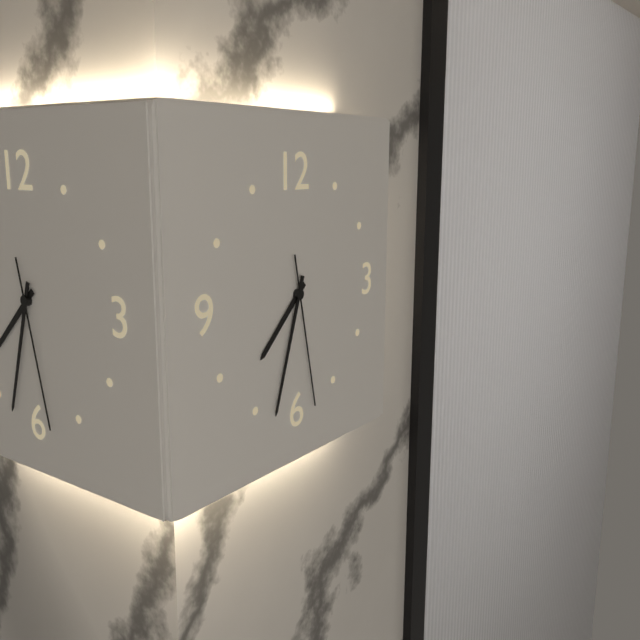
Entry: h=7 m=33 s=28
